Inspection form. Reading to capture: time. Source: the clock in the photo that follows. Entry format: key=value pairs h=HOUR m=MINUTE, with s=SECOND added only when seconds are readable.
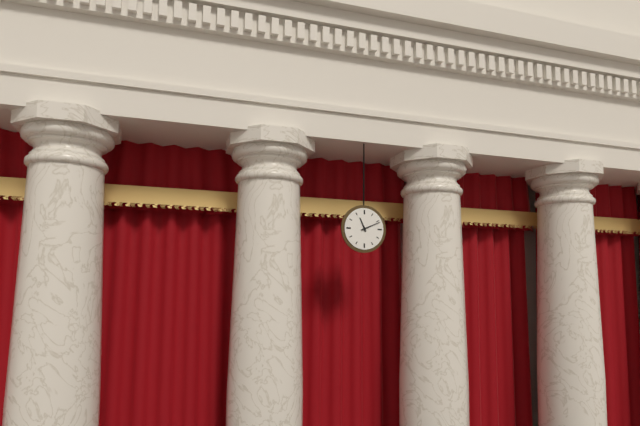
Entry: h=11 m=11
